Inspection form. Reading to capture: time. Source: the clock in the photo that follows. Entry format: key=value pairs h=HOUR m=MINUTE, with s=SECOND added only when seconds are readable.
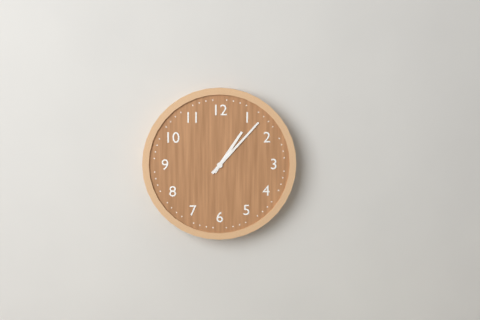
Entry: h=1 m=7
